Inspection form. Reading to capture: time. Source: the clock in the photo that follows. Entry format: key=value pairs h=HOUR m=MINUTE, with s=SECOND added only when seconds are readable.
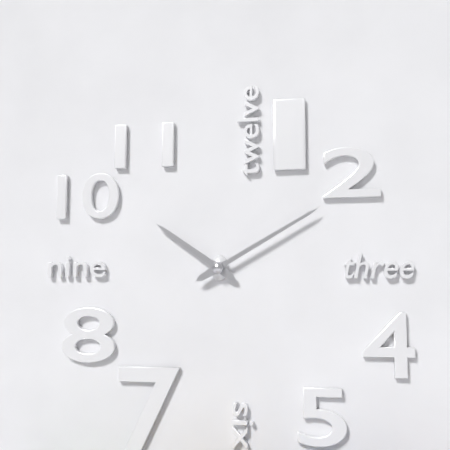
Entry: h=10 m=10
